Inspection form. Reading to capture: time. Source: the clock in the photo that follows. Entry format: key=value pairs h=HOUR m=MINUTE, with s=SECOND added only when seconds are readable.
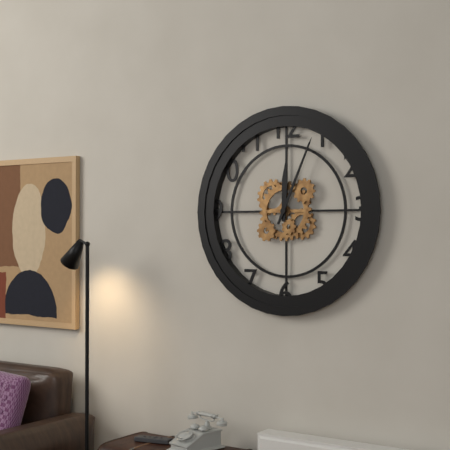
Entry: h=12 m=4
